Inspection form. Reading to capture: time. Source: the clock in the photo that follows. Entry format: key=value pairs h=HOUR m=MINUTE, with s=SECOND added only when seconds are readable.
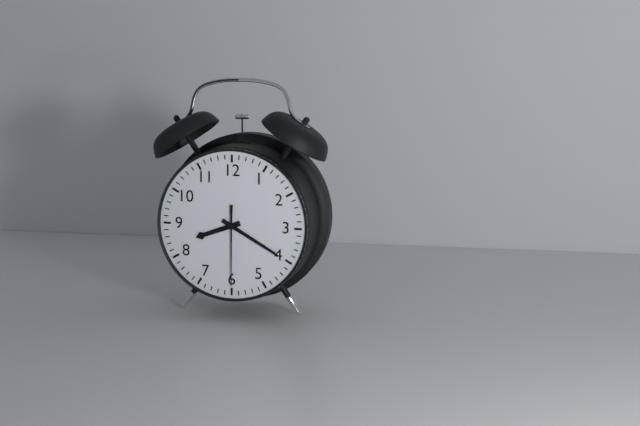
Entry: h=8 m=20 s=30
